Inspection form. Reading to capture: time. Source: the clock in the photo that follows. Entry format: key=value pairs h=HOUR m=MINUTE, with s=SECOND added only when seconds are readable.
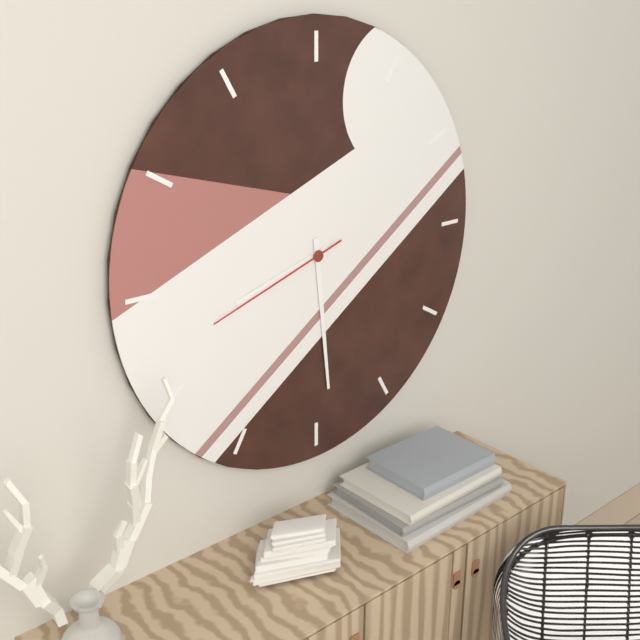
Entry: h=8 m=29 s=42
